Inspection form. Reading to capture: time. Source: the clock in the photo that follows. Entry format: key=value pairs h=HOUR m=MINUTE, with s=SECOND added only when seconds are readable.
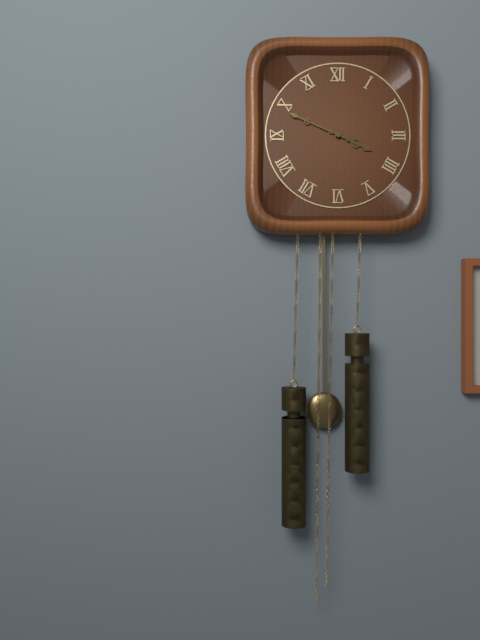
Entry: h=3 m=49
